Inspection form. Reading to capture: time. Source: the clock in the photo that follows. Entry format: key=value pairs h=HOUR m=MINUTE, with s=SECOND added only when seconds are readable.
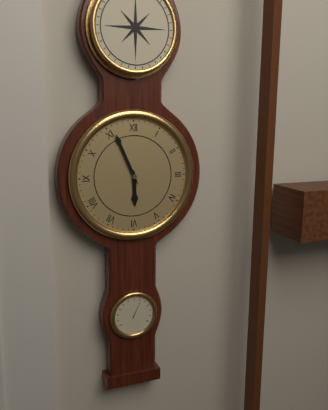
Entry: h=5 m=56
